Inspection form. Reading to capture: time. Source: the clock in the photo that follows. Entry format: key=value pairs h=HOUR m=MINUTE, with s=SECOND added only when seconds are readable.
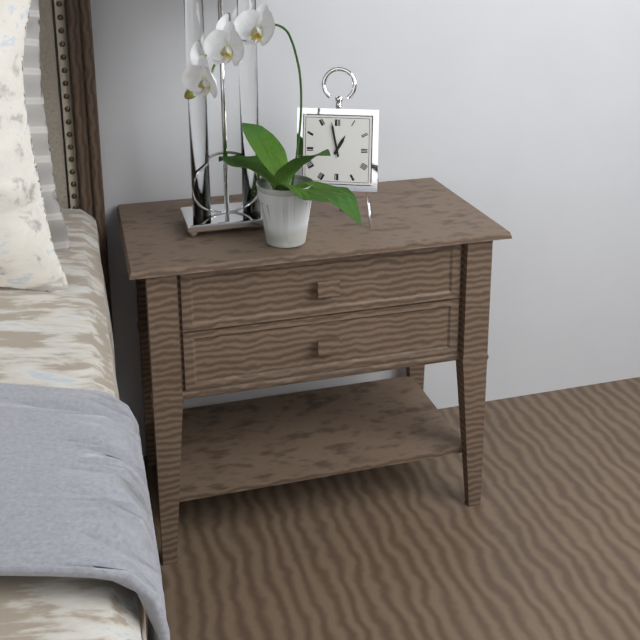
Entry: h=12 m=58
